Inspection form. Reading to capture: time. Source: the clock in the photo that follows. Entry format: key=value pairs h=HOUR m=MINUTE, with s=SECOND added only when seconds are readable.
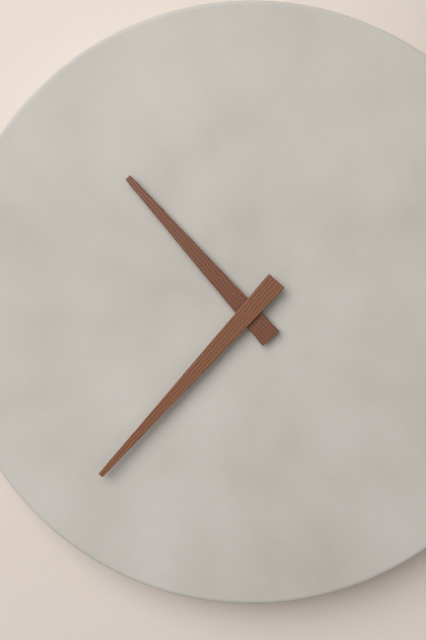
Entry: h=10 m=37
